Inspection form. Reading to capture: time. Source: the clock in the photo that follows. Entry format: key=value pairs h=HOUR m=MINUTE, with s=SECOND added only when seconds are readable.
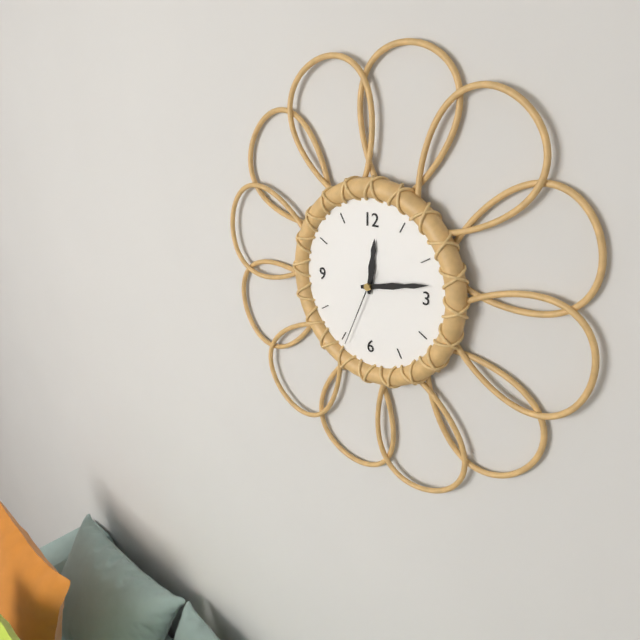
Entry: h=12 m=13 s=34
